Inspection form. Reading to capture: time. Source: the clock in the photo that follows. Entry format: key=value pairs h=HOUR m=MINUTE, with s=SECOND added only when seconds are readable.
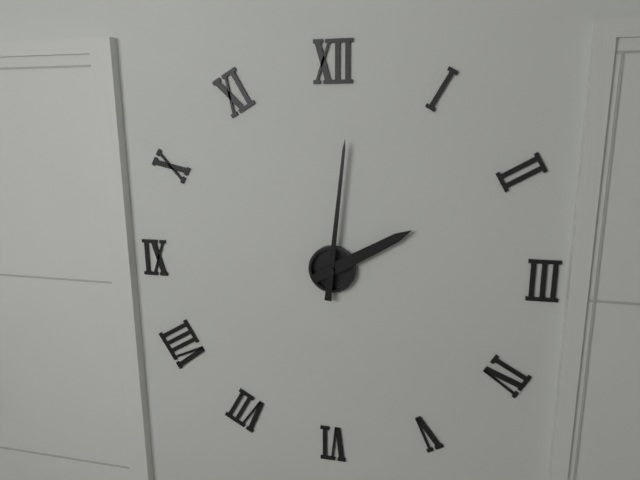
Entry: h=2 m=1
